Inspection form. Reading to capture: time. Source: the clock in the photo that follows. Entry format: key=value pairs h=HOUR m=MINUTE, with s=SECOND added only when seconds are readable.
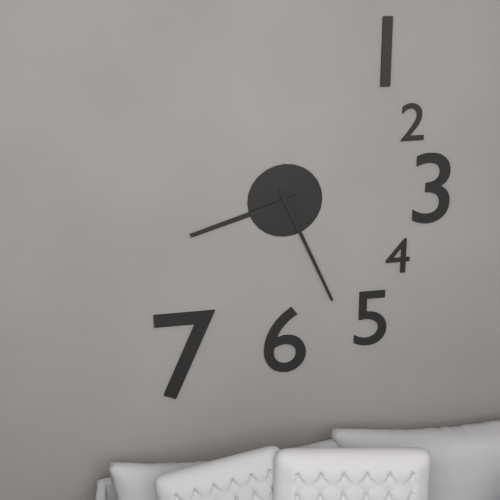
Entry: h=8 m=26
